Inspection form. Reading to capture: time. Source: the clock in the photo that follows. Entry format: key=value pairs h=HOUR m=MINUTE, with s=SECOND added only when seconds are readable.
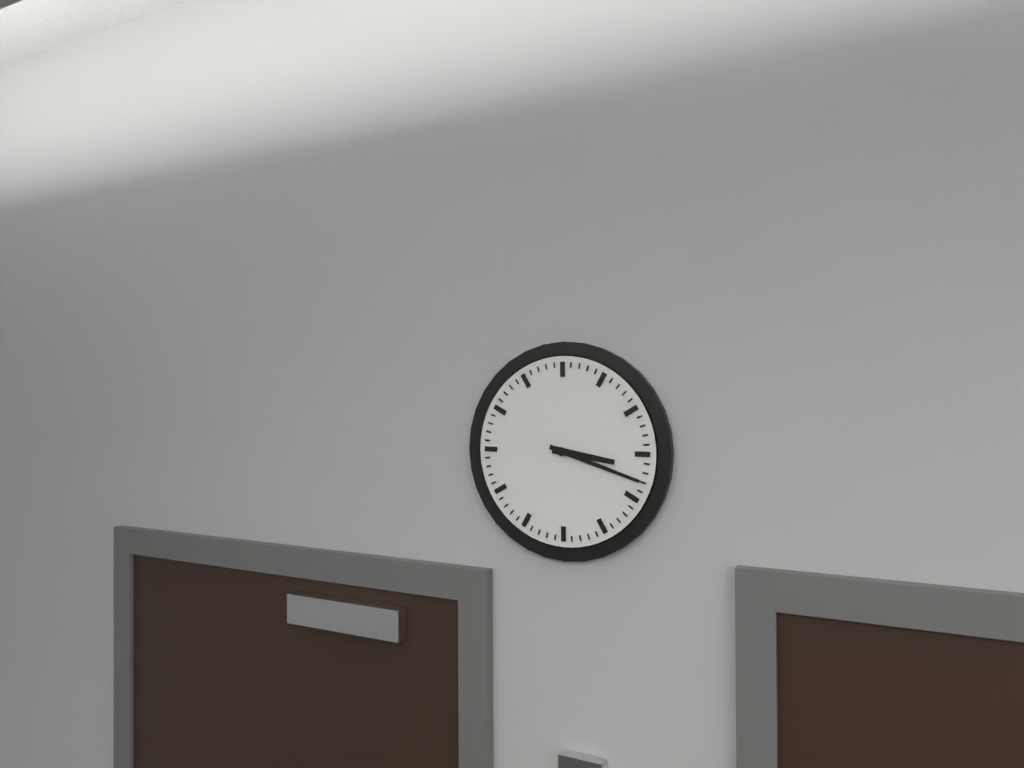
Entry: h=3 m=18
